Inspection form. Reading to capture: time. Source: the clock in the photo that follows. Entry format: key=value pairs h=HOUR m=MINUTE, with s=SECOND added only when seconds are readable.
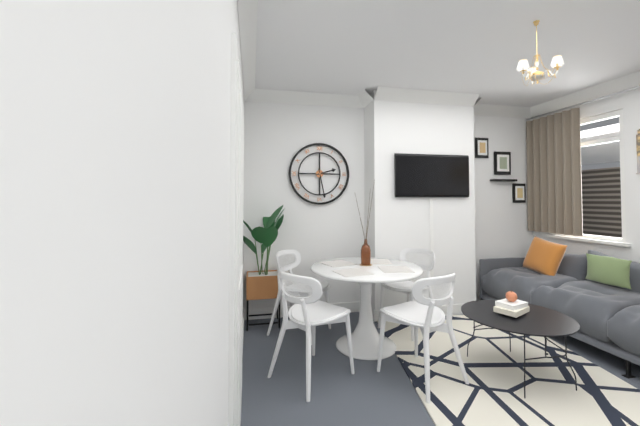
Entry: h=2 m=28
